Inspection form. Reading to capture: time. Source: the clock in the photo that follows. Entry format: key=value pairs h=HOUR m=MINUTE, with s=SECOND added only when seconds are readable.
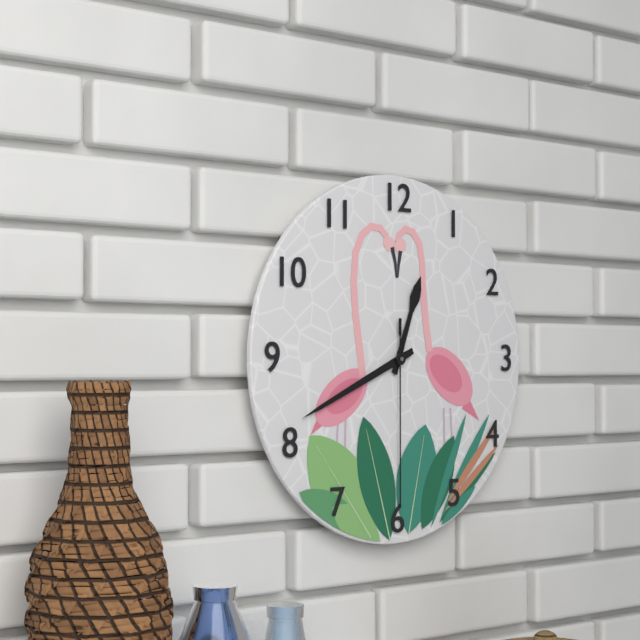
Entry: h=12 m=41 s=30
